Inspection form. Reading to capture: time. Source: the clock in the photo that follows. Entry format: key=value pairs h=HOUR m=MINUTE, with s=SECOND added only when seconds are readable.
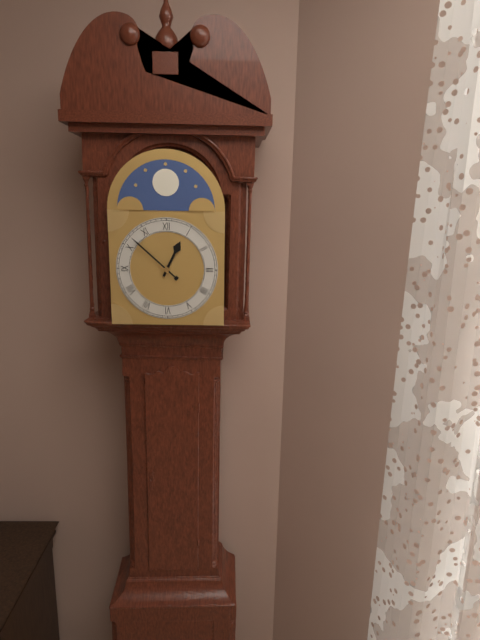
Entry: h=12 m=52
